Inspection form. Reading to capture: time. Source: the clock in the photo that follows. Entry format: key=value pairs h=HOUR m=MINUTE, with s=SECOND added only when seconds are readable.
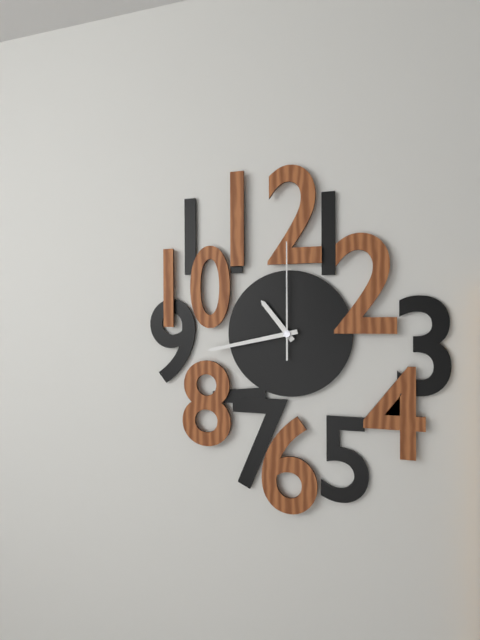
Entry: h=10 m=43 s=0
